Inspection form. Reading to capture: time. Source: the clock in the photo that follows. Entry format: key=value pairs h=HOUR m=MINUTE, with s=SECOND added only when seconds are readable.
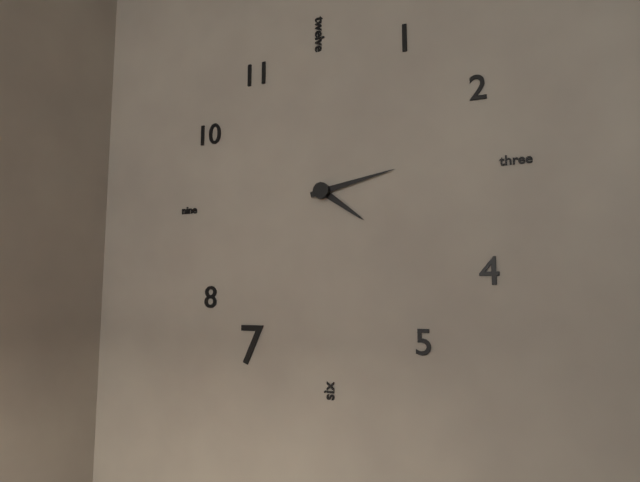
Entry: h=4 m=13
